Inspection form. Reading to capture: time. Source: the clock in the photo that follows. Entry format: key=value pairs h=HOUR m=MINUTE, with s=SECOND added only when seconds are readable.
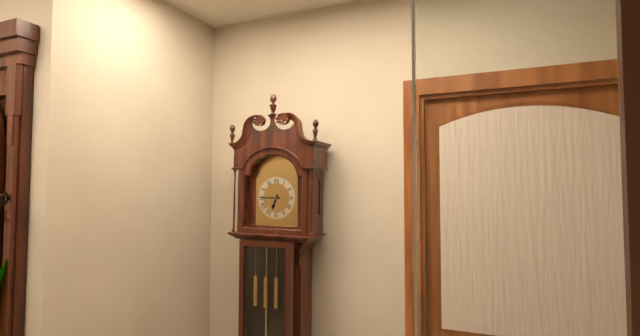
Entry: h=6 m=45
